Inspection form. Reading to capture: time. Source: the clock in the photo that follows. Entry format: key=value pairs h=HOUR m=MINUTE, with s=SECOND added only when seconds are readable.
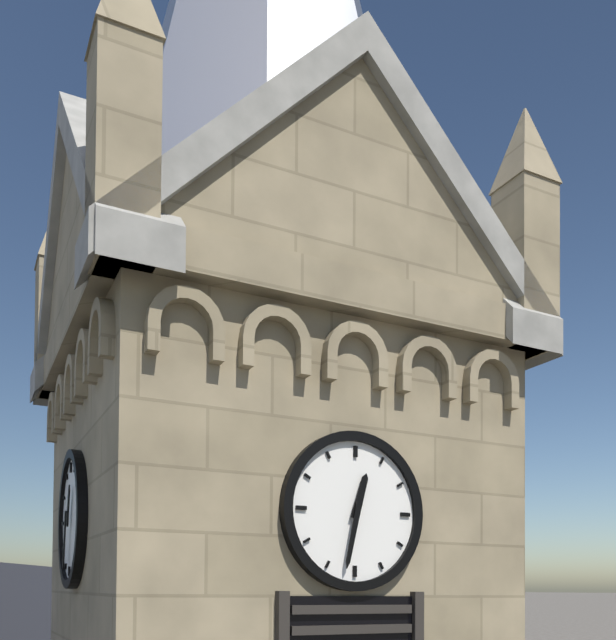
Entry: h=12 m=32
